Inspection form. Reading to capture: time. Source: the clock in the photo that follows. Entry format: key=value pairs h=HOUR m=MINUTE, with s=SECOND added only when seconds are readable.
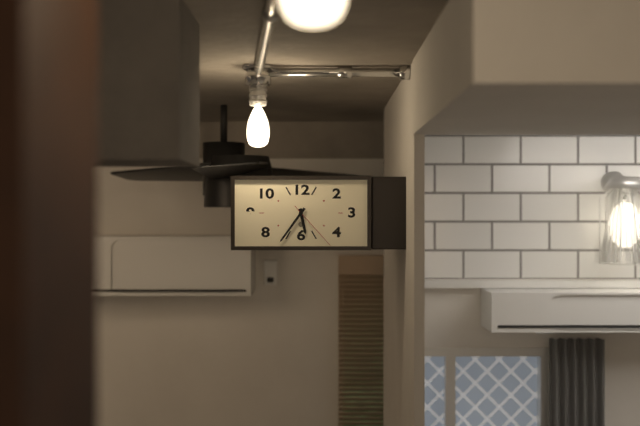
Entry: h=5 m=36 s=23
